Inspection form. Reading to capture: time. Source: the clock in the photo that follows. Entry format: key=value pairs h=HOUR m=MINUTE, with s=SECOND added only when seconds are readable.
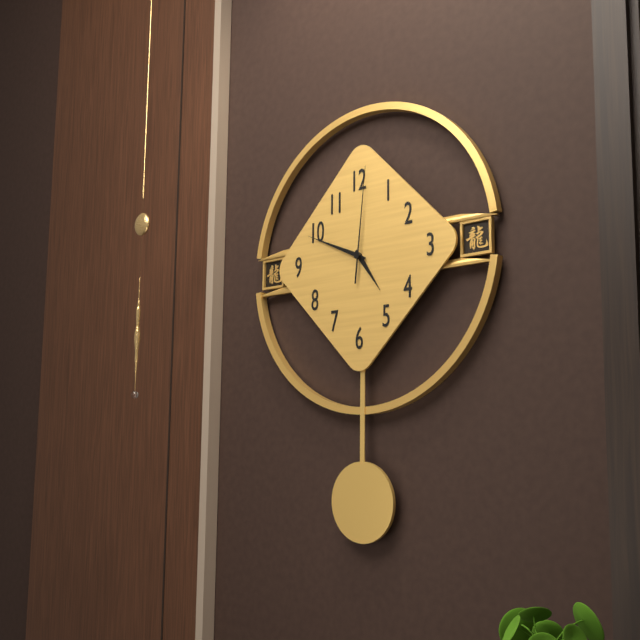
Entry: h=4 m=49 s=1
